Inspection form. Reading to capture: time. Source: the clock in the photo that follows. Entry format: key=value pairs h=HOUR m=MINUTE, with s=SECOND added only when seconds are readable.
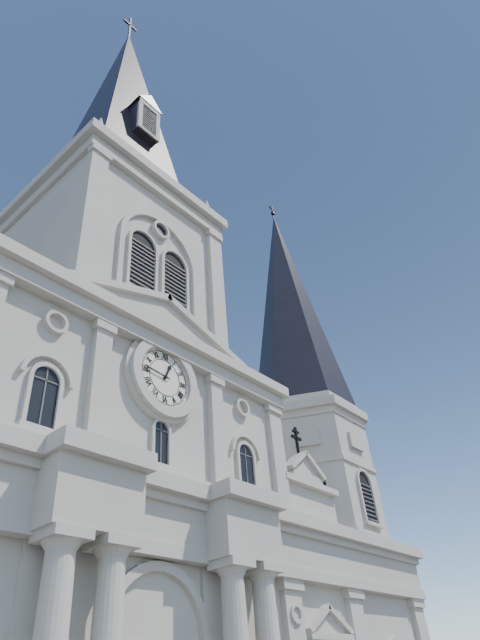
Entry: h=12 m=46
